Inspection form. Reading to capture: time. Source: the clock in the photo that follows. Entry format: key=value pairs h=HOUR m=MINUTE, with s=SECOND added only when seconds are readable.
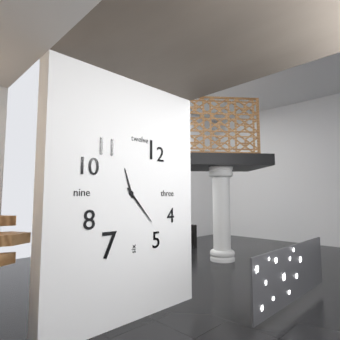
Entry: h=11 m=23
